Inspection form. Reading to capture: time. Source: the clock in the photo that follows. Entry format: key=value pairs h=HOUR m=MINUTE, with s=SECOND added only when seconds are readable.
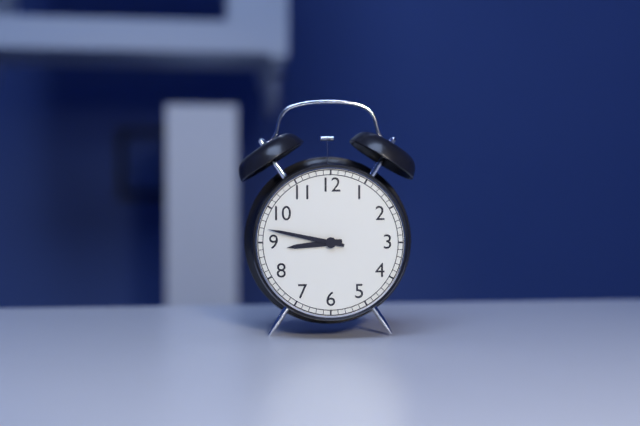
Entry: h=8 m=47
